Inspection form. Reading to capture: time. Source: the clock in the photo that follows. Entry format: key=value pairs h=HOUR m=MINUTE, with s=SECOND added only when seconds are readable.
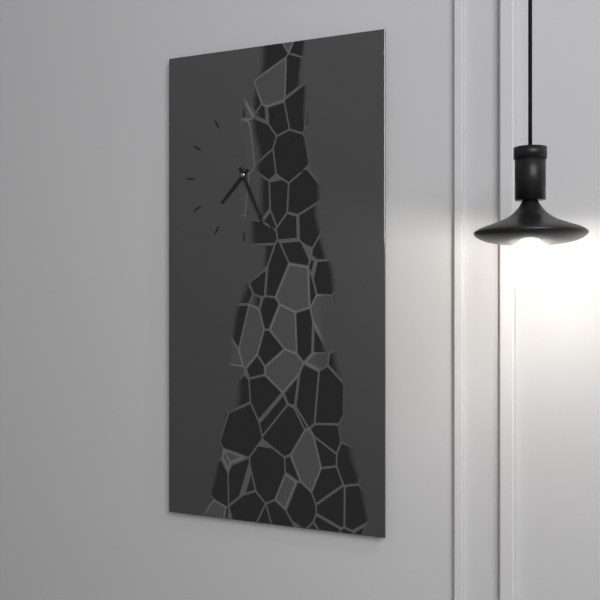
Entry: h=7 m=26
